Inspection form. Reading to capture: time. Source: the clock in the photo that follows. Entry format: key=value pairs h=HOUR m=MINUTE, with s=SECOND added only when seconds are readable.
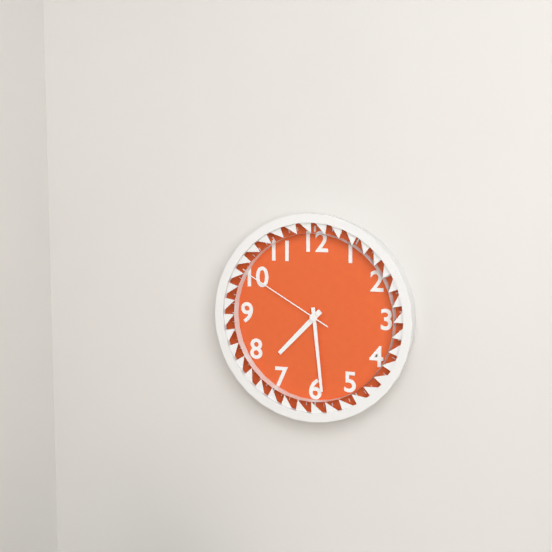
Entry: h=7 m=29 s=50
